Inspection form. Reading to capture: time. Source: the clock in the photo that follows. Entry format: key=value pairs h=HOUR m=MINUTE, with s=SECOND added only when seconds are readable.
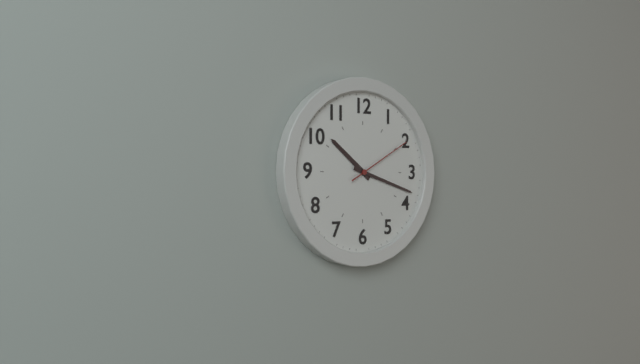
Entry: h=10 m=18 s=10
